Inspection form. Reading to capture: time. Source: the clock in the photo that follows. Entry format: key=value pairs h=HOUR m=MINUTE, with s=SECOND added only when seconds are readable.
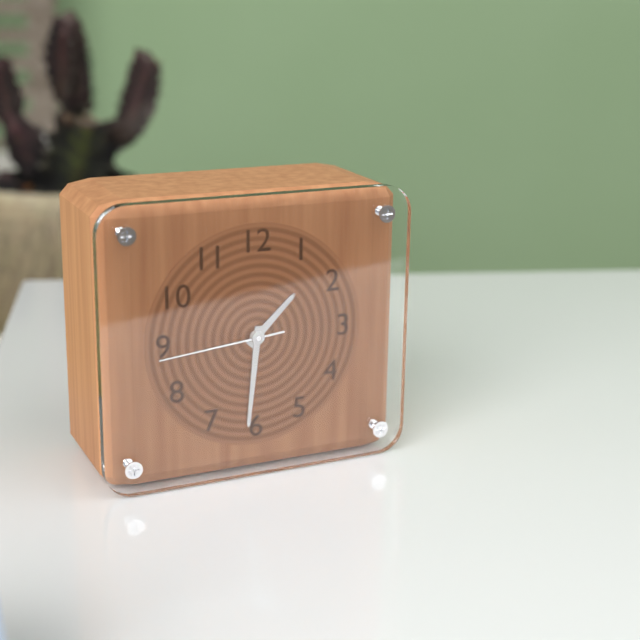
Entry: h=1 m=31 s=44
